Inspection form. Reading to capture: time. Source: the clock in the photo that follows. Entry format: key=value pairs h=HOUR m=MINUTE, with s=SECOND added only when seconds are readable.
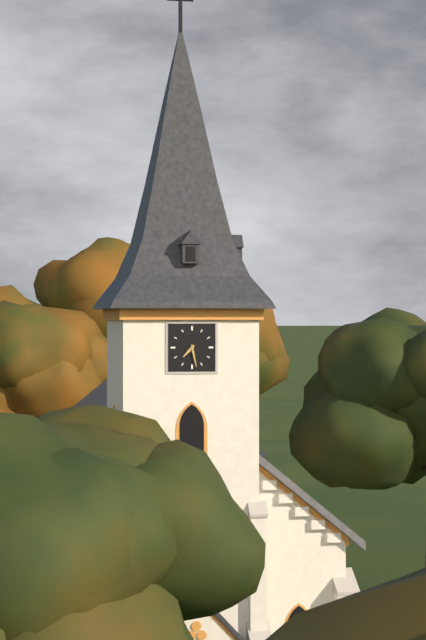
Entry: h=7 m=28
